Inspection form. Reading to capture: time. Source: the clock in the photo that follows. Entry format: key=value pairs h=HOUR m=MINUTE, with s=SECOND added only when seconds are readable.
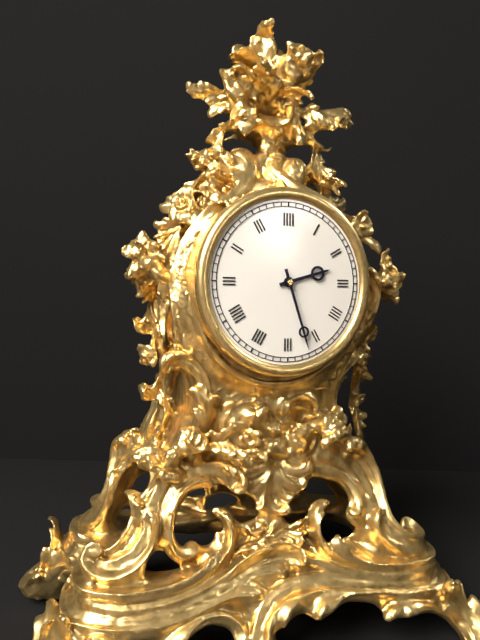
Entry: h=2 m=27
